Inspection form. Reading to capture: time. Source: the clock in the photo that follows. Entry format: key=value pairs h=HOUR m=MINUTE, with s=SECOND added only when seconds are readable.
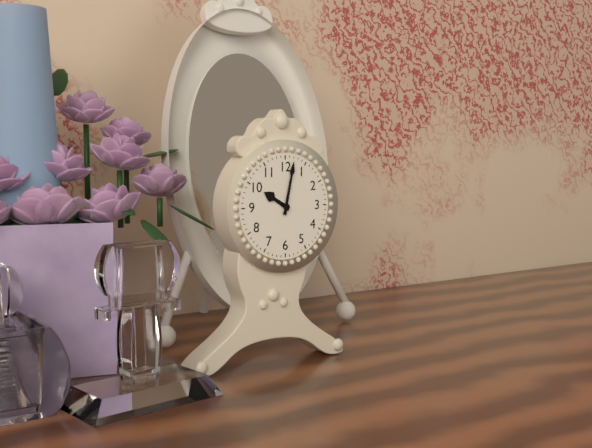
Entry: h=10 m=2
